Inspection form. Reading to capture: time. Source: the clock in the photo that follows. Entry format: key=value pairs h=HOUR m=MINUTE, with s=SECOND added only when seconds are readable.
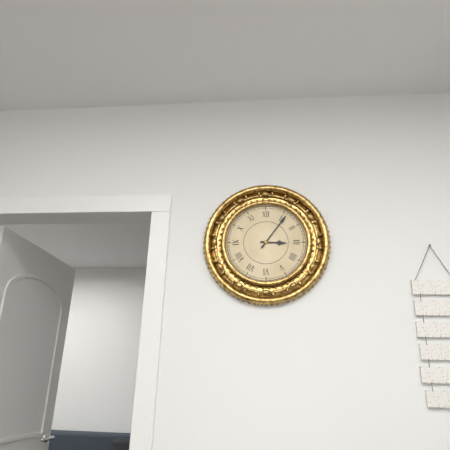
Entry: h=3 m=6
